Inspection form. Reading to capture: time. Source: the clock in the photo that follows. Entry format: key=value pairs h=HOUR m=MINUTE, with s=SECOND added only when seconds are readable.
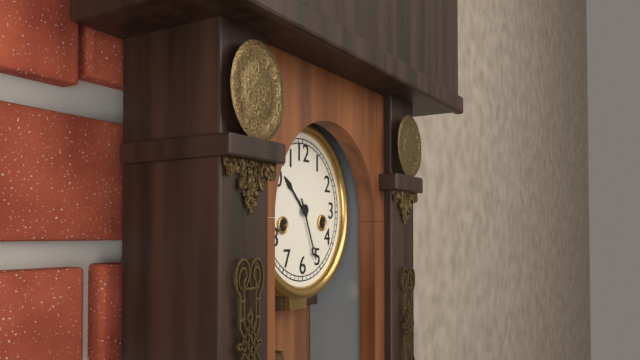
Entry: h=10 m=26
